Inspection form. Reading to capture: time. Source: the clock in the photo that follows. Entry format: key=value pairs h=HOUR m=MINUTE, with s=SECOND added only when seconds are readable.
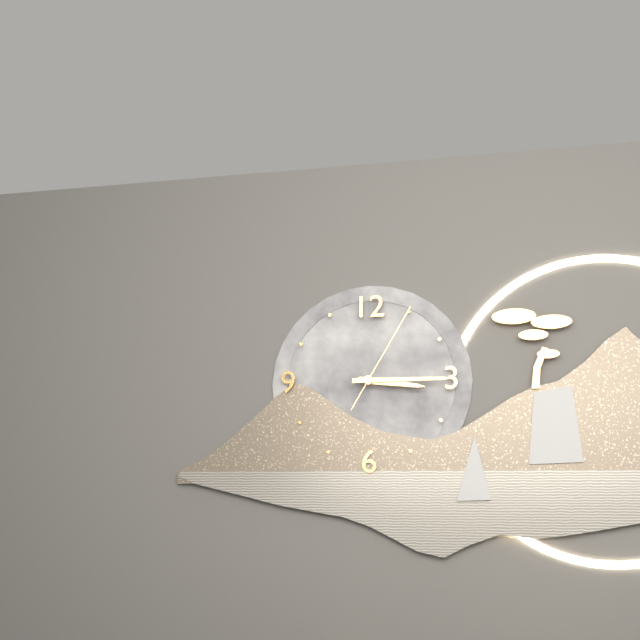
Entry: h=3 m=15 s=5
